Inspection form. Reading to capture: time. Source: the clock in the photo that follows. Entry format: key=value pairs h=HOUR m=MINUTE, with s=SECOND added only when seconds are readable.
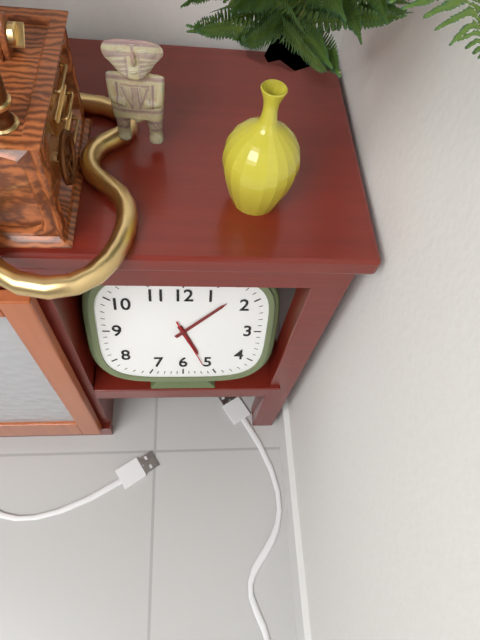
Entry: h=5 m=8 s=26
